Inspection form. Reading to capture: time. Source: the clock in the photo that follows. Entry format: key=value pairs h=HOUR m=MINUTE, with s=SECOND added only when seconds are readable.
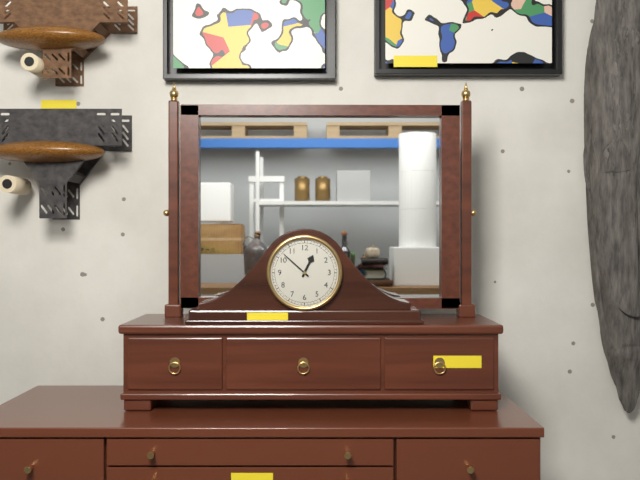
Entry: h=12 m=52
